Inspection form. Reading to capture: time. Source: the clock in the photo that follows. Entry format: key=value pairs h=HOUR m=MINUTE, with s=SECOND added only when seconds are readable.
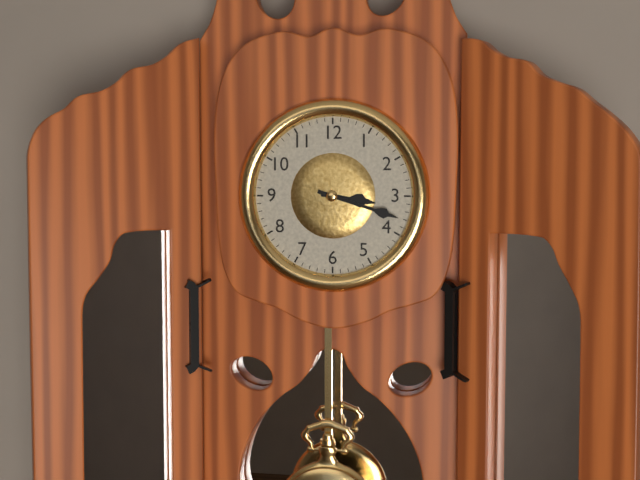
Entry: h=3 m=18
